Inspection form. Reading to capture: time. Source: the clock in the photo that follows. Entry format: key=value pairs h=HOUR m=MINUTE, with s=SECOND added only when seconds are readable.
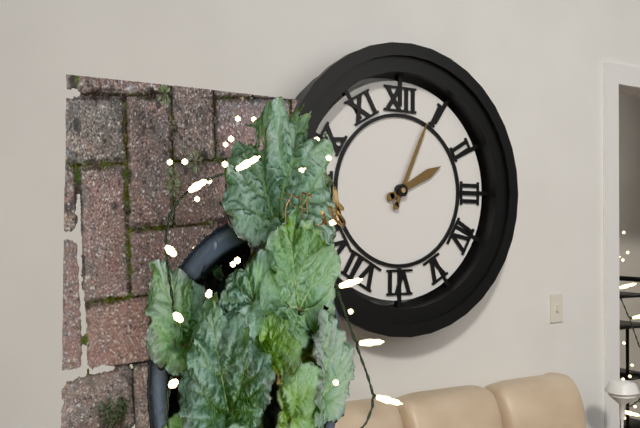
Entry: h=2 m=4
